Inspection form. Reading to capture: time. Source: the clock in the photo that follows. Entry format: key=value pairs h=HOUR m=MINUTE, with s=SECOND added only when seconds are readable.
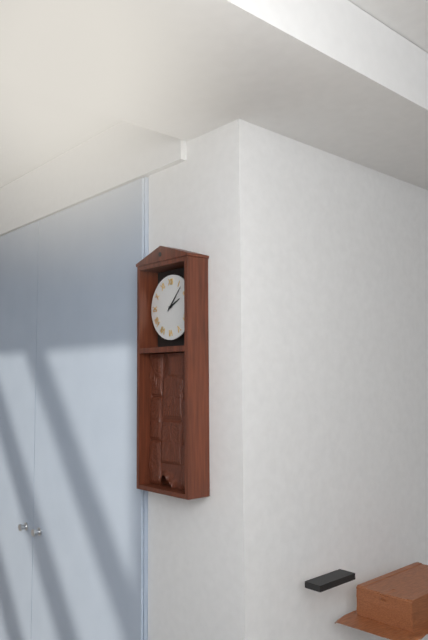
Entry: h=2 m=7
